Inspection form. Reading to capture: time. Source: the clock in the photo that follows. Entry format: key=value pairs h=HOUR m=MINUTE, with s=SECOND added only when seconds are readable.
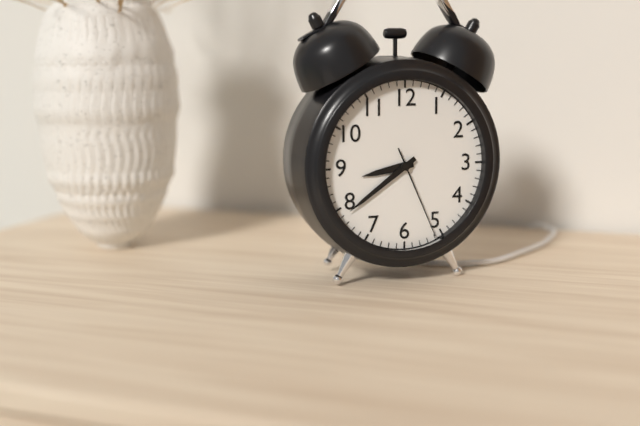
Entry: h=8 m=39 s=26
